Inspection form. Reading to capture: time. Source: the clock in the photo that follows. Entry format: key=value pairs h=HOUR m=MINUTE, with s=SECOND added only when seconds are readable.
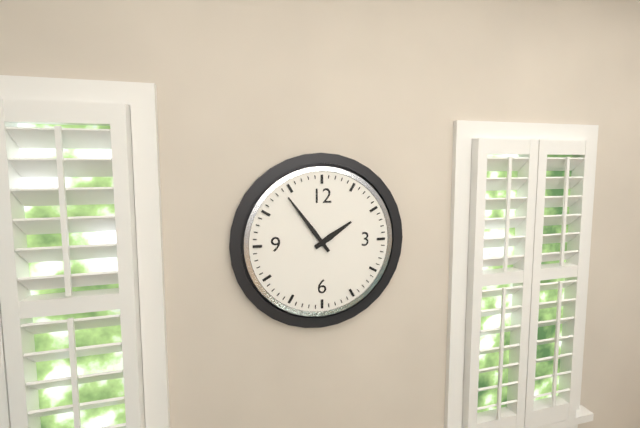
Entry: h=1 m=54
